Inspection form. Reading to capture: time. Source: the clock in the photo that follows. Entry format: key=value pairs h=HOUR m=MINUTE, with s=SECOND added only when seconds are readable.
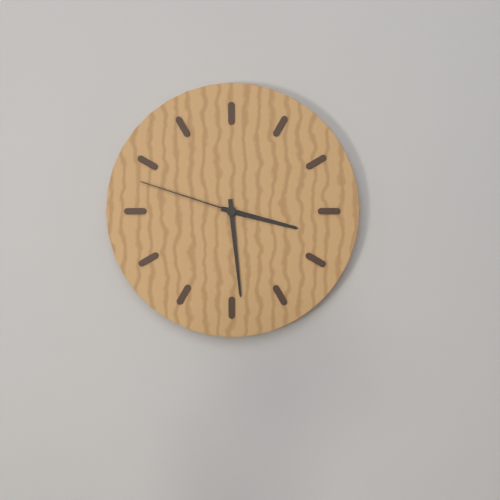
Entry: h=3 m=29 s=48
